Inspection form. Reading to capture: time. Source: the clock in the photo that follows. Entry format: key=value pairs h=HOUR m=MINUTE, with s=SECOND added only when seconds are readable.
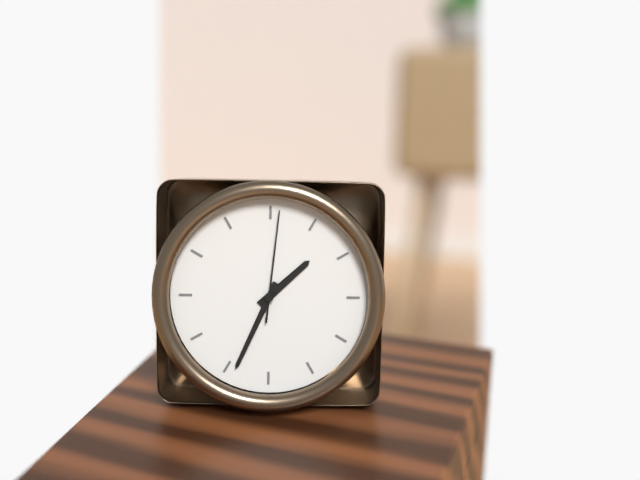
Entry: h=1 m=34 s=1
